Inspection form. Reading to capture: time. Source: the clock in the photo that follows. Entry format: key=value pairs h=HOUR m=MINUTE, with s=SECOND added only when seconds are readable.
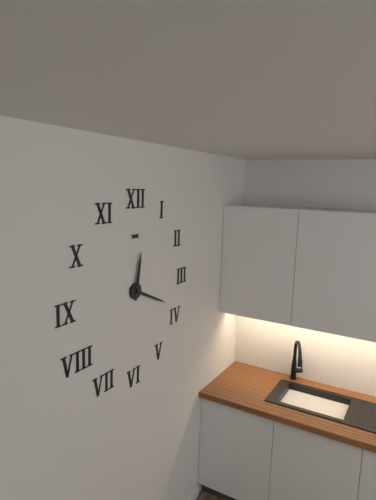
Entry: h=12 m=19
